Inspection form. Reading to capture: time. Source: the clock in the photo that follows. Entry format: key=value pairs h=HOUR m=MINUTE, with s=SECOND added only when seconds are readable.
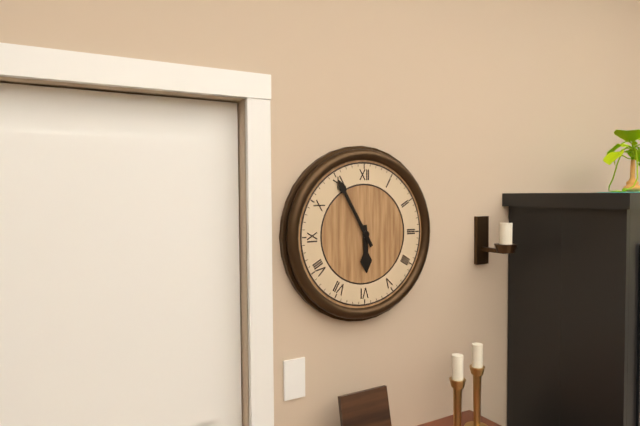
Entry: h=5 m=55
